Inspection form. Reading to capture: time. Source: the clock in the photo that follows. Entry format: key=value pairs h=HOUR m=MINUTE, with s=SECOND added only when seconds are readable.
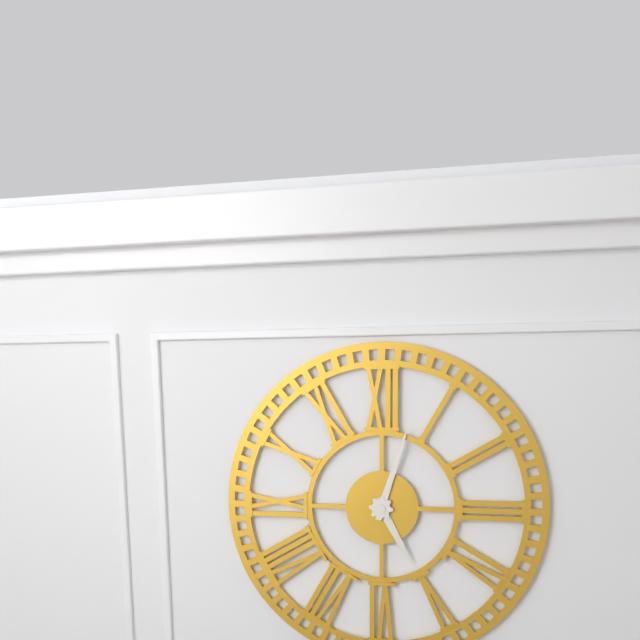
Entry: h=5 m=3
